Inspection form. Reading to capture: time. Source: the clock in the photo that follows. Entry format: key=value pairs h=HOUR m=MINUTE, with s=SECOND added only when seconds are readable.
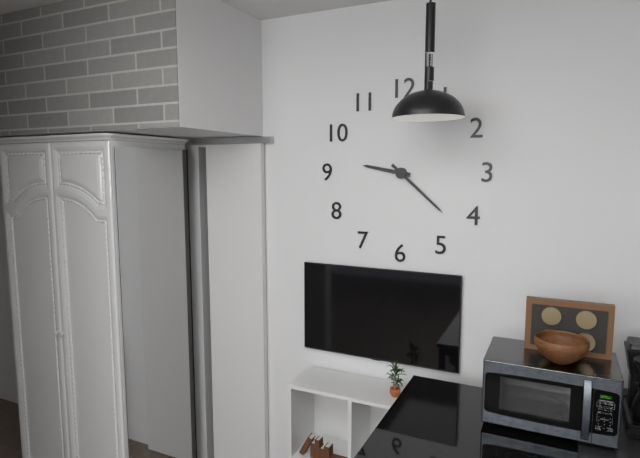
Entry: h=9 m=22
